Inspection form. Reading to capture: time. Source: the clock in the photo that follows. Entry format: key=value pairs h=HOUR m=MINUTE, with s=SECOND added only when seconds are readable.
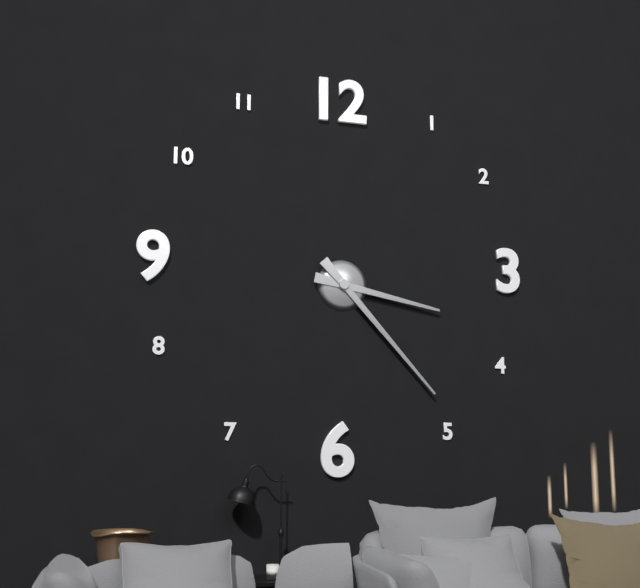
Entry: h=3 m=23
